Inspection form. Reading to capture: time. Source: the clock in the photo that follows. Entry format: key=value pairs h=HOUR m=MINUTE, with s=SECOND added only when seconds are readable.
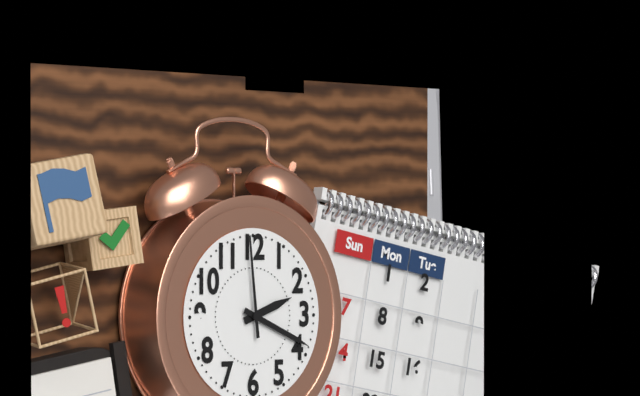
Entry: h=2 m=19 s=59
